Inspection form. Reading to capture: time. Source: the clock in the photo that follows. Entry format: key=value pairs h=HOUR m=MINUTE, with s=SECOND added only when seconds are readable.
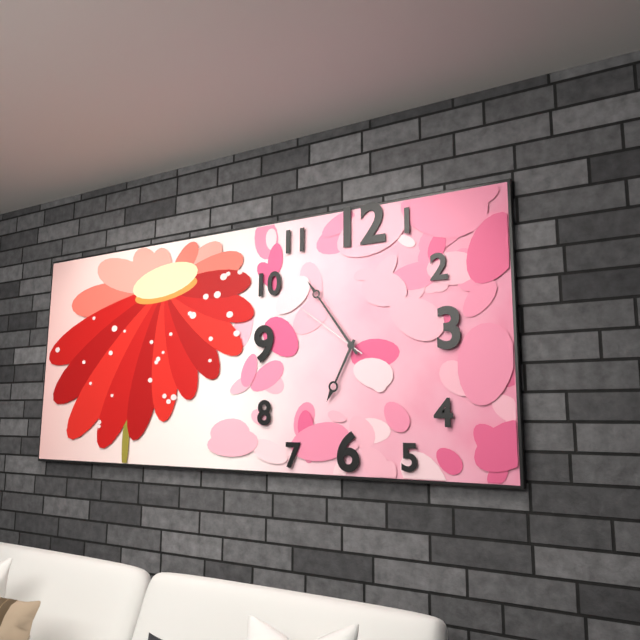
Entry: h=6 m=54 s=51
